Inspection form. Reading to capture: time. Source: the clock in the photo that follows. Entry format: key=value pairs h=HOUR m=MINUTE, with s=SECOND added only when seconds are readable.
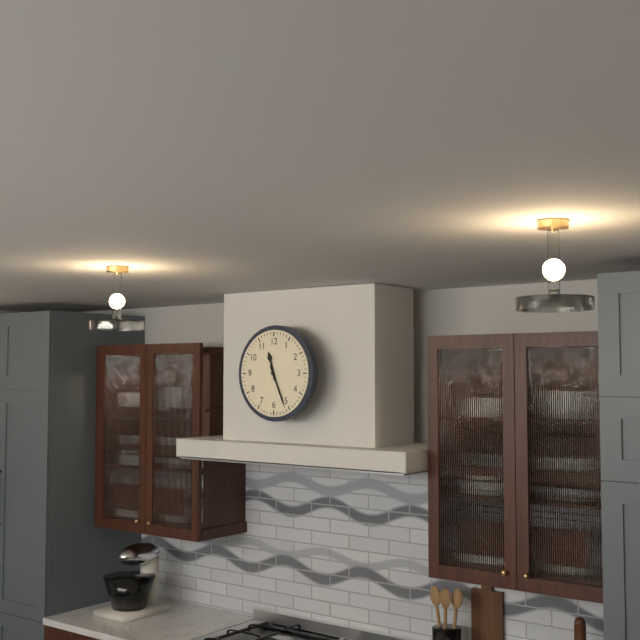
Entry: h=11 m=26
